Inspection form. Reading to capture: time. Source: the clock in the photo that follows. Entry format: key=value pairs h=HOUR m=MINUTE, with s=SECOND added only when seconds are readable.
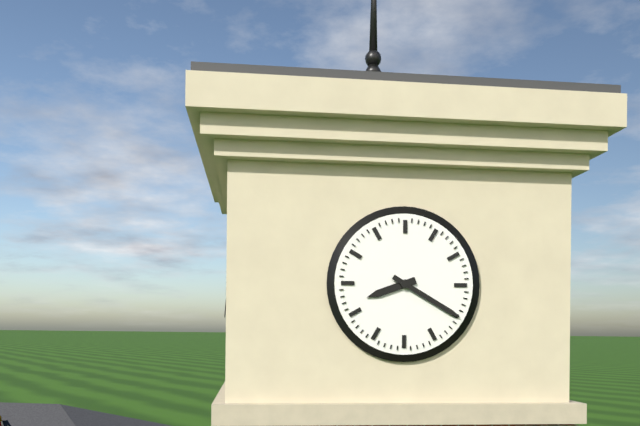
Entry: h=8 m=20
